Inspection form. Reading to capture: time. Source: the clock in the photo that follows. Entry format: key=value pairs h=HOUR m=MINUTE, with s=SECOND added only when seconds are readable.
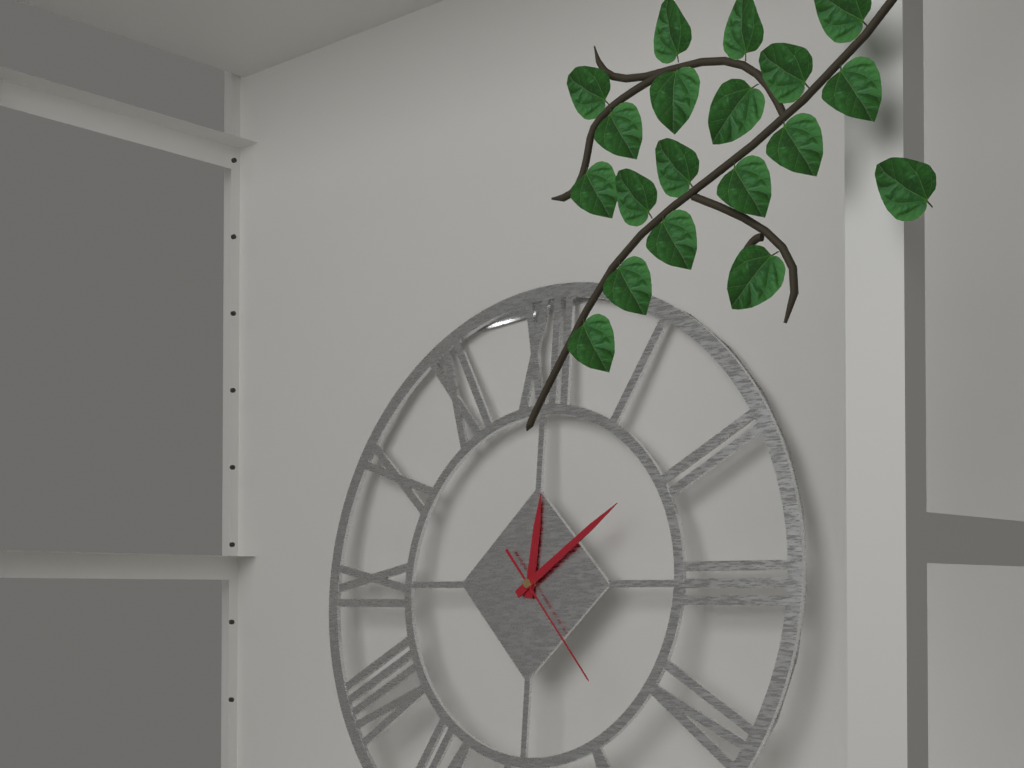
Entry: h=12 m=9 s=23
